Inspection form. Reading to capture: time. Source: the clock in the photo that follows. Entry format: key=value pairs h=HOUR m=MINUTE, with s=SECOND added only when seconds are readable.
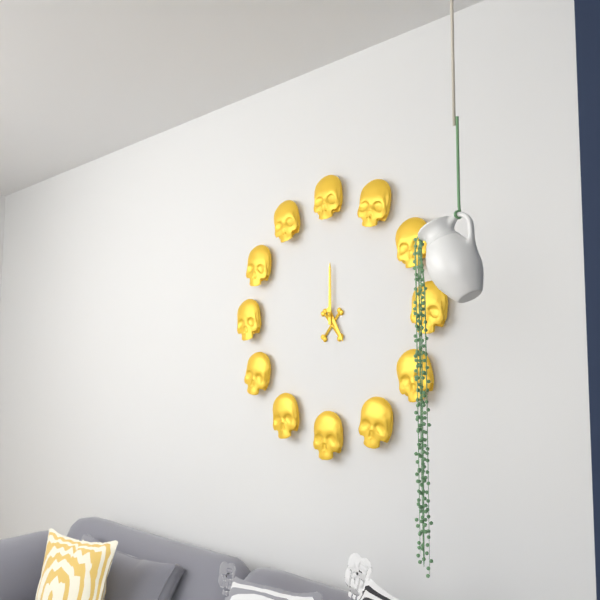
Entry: h=5 m=0
